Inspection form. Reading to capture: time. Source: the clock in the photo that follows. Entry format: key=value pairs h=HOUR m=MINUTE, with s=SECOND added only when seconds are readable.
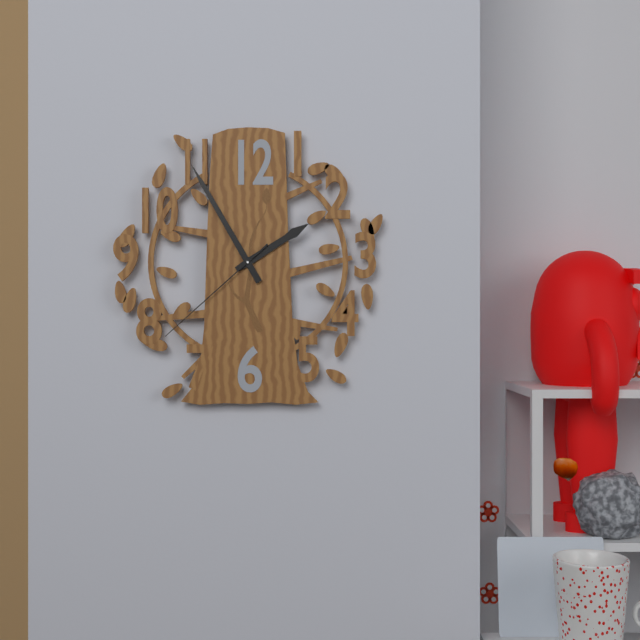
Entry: h=1 m=55 s=38
